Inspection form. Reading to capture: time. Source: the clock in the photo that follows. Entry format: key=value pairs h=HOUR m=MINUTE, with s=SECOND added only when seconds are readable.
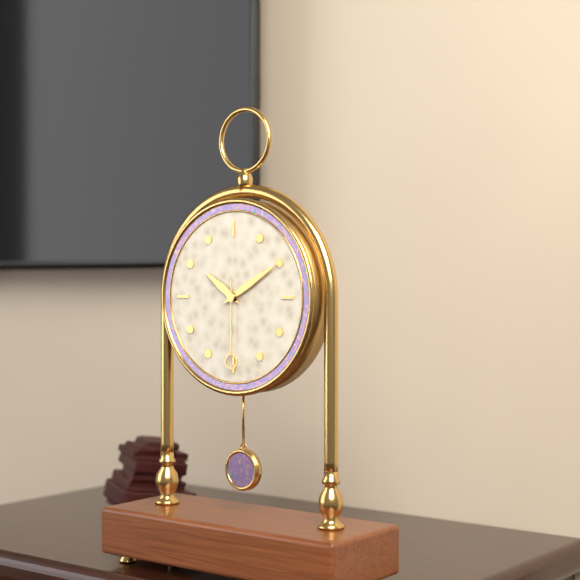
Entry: h=10 m=10 s=30
